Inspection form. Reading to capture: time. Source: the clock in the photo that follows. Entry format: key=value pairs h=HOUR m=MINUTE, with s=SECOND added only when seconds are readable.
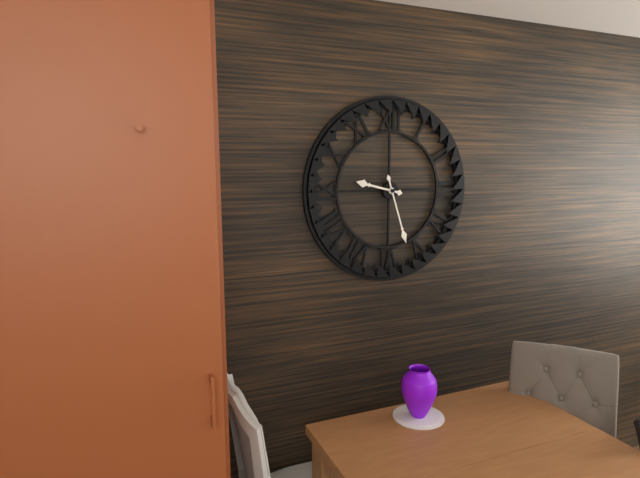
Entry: h=9 m=27
